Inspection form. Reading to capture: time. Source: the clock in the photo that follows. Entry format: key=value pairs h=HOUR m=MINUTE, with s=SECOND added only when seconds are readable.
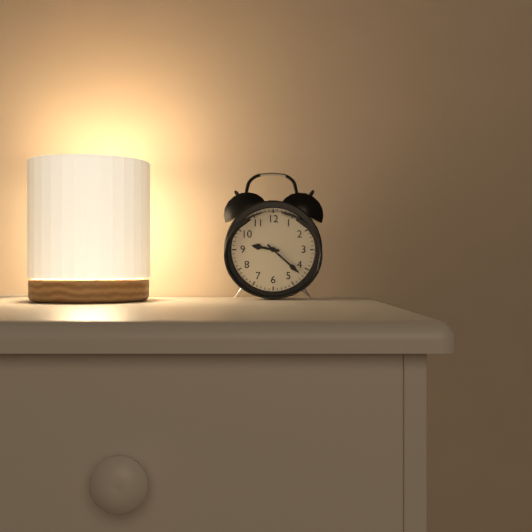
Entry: h=9 m=22
